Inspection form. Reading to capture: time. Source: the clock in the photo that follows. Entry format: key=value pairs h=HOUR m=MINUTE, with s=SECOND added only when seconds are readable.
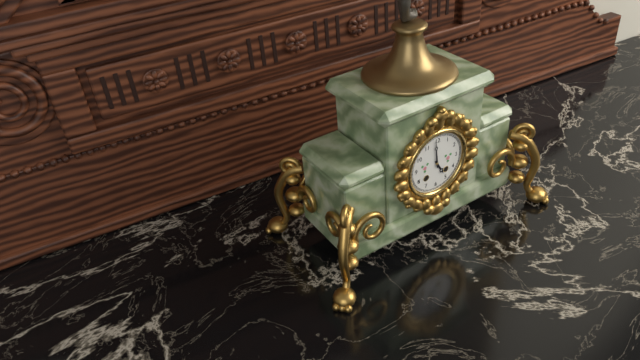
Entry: h=4 m=59
